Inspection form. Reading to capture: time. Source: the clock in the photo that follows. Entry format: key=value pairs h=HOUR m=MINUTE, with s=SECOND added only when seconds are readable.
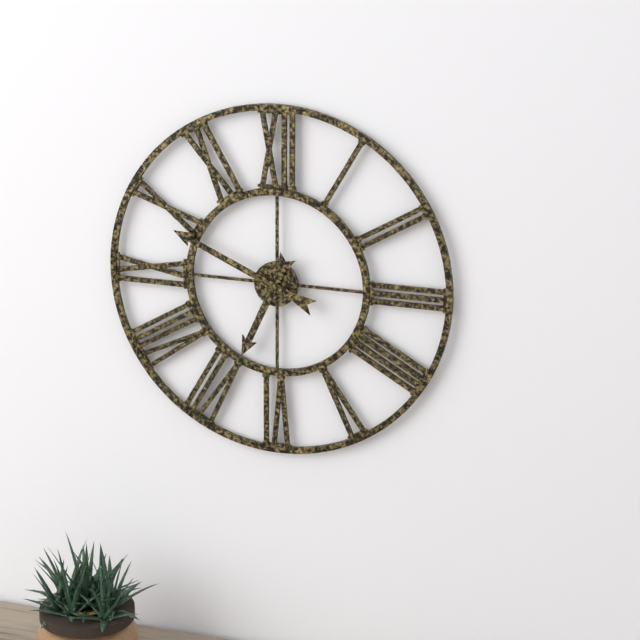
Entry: h=6 m=49
